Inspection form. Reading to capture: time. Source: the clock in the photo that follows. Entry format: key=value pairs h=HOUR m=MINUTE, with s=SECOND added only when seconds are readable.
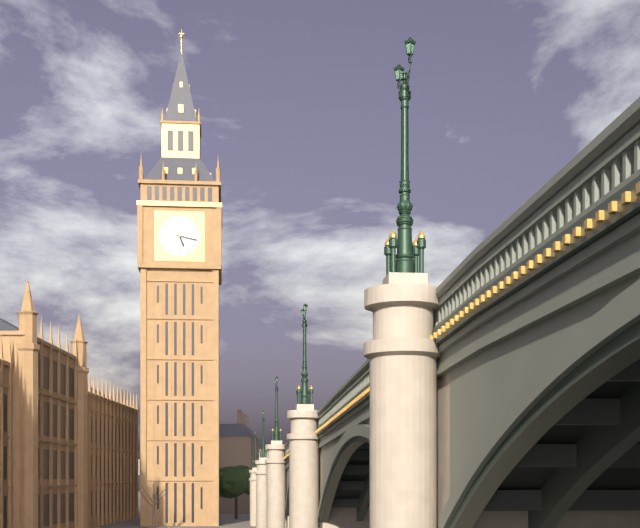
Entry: h=5 m=17
